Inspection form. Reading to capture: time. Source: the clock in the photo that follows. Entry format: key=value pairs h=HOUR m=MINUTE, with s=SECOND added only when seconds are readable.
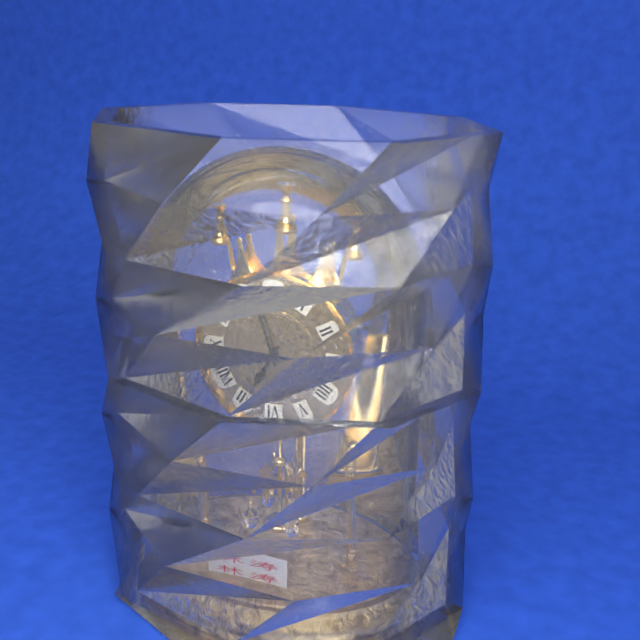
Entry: h=6 m=57
